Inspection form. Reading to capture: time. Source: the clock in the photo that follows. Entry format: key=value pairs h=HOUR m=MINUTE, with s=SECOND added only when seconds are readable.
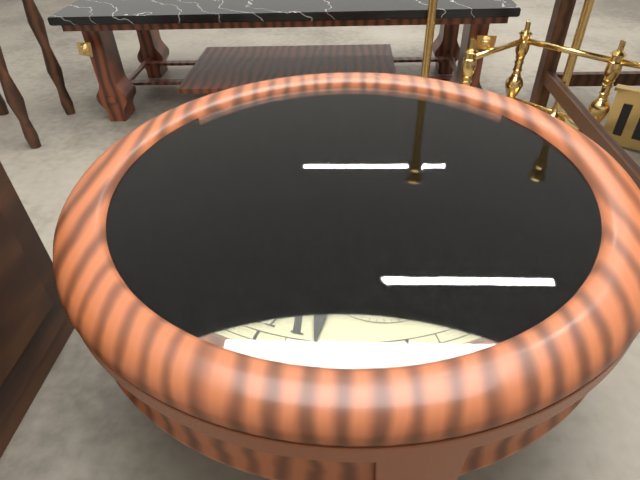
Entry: h=9 m=33 s=24
